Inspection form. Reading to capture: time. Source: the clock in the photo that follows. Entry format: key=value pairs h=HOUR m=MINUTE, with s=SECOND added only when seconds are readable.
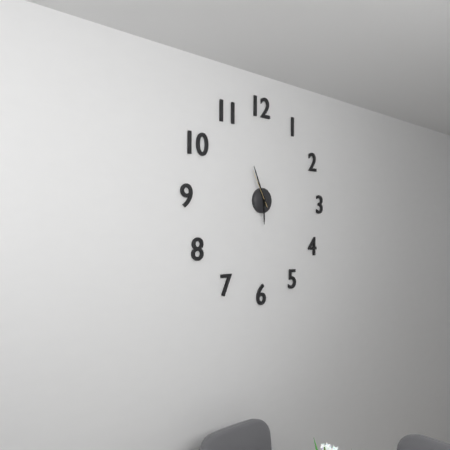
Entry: h=5 m=56
